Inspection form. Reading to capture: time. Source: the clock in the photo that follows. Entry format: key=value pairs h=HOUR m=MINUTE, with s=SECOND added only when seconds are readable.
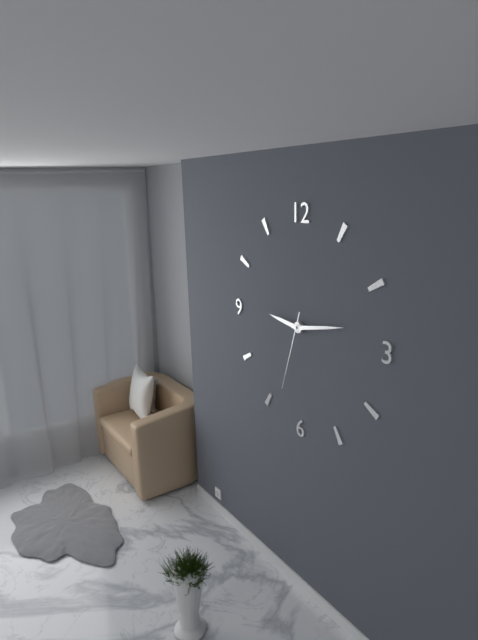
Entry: h=9 m=13 s=33
